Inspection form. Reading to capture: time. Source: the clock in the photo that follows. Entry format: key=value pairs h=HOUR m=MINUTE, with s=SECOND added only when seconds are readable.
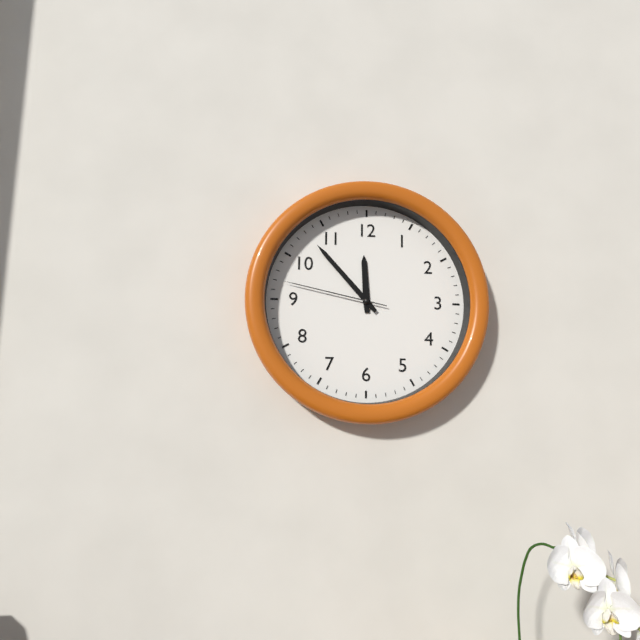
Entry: h=11 m=53 s=47
